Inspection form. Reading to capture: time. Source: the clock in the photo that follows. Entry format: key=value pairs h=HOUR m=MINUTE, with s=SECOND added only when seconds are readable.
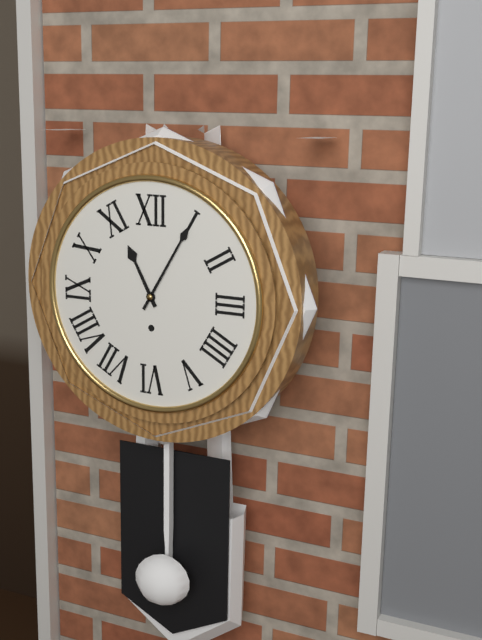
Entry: h=11 m=5
